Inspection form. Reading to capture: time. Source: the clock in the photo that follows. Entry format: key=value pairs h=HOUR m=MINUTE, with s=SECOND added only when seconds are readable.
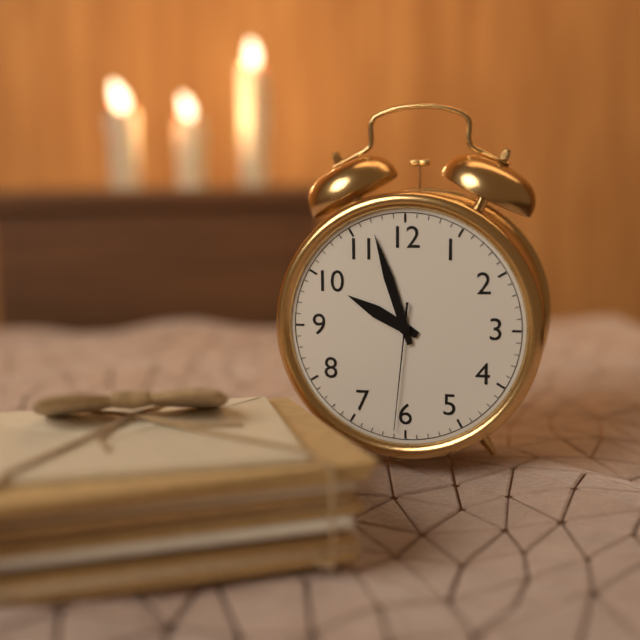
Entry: h=9 m=57 s=31
